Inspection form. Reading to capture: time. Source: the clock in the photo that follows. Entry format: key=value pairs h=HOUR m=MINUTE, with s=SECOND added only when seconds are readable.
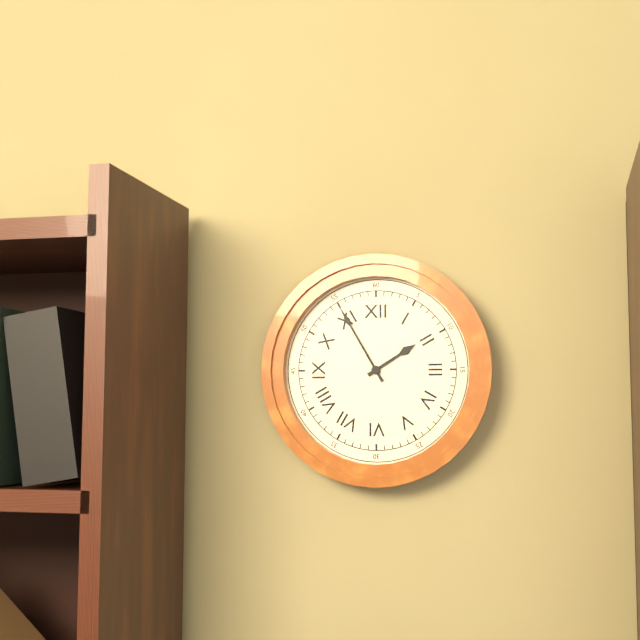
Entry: h=1 m=55
